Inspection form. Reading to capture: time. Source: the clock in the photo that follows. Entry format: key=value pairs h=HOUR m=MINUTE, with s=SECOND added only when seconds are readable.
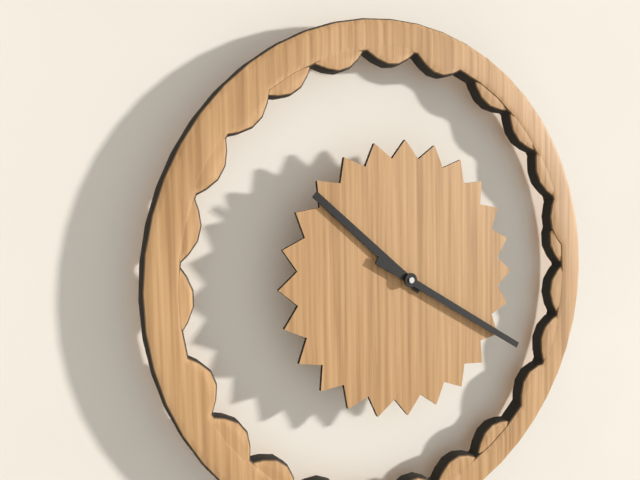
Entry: h=10 m=20
